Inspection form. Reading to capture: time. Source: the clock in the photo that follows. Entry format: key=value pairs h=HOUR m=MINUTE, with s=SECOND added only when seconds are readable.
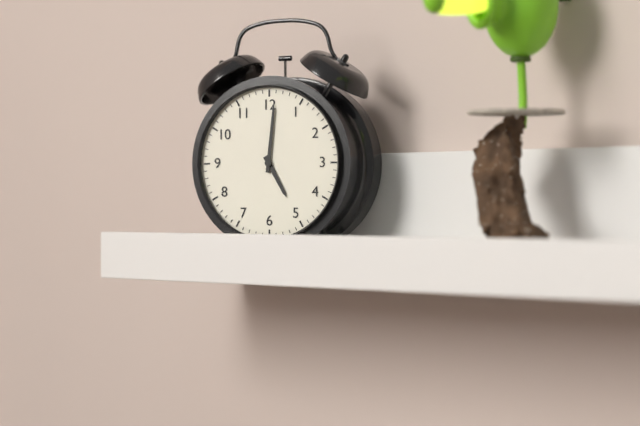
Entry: h=5 m=1
